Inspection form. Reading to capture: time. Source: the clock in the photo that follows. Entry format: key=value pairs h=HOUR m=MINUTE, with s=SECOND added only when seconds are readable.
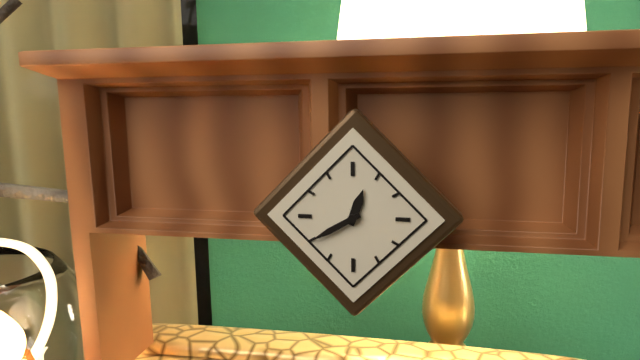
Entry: h=12 m=40
